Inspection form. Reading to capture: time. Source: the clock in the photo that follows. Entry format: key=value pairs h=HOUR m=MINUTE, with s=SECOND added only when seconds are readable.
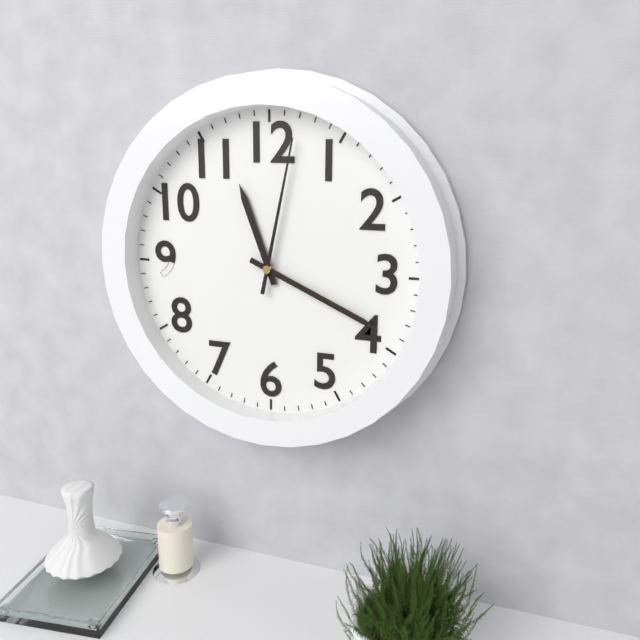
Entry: h=11 m=19 s=2
